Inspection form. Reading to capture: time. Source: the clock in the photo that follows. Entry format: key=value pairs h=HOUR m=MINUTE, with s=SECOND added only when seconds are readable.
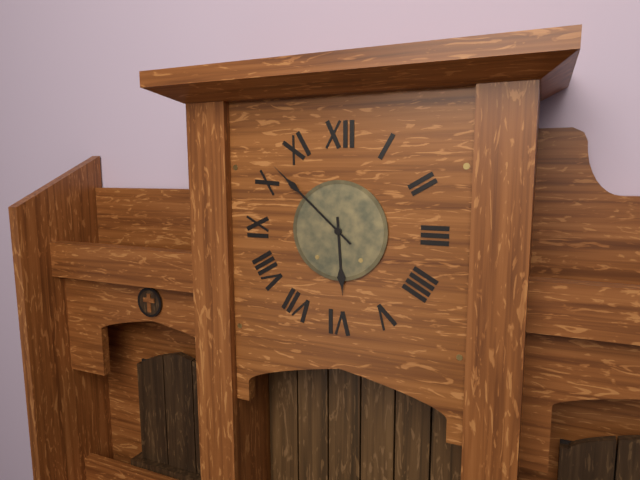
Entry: h=5 m=52
